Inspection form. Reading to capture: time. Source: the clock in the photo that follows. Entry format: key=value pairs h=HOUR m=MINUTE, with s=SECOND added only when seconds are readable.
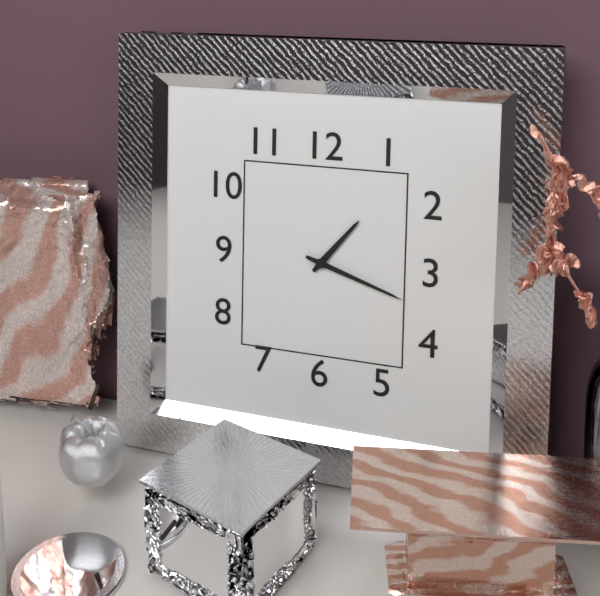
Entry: h=1 m=18
